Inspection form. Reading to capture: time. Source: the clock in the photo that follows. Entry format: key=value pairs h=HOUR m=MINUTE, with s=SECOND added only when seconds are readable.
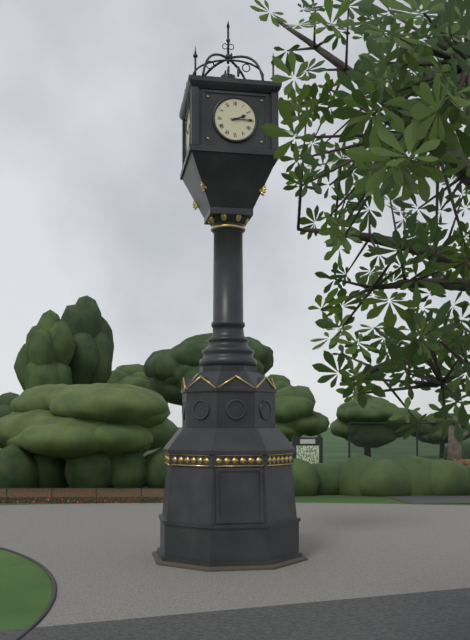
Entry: h=2 m=15
